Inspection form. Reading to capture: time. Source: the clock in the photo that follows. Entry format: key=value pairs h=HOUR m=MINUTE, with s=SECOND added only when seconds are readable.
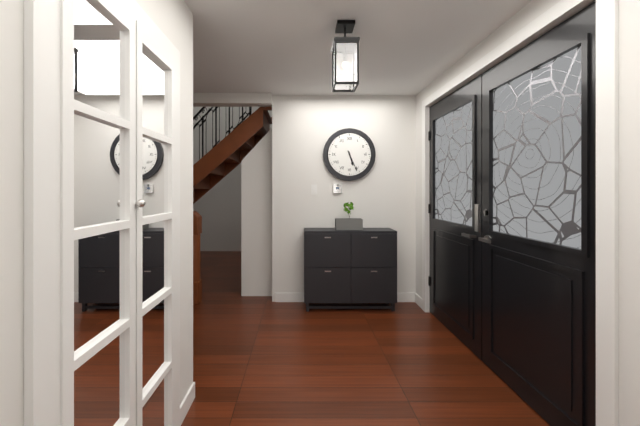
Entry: h=5 m=26
